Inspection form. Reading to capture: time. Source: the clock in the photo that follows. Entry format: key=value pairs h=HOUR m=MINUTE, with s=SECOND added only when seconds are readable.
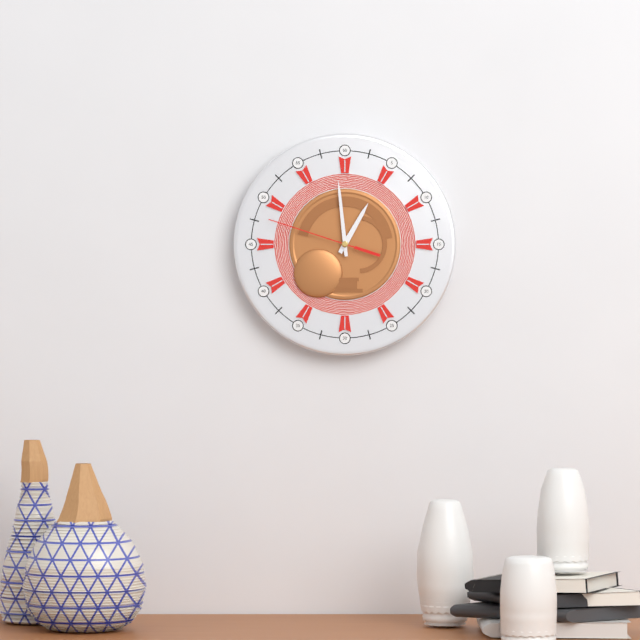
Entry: h=12 m=59 s=48
